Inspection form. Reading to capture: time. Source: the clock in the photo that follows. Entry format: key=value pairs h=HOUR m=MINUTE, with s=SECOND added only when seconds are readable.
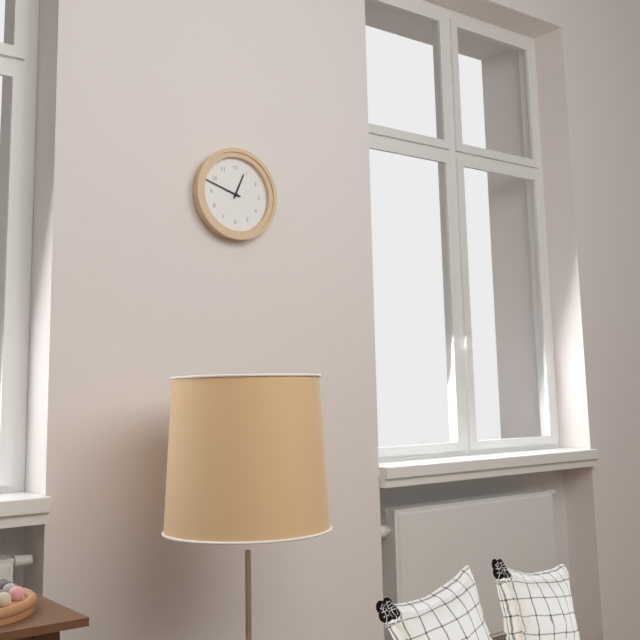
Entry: h=12 m=48
